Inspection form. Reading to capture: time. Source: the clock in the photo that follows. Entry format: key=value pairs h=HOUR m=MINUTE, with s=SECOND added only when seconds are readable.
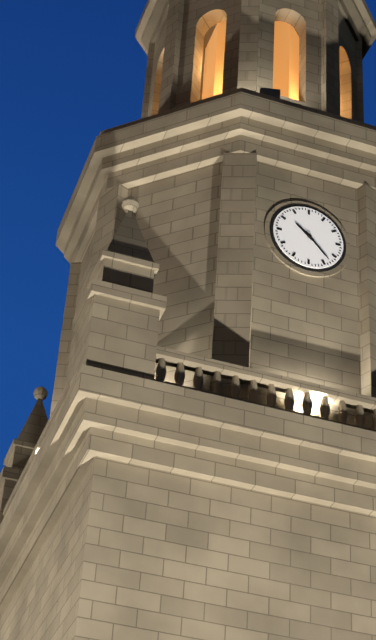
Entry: h=10 m=23
